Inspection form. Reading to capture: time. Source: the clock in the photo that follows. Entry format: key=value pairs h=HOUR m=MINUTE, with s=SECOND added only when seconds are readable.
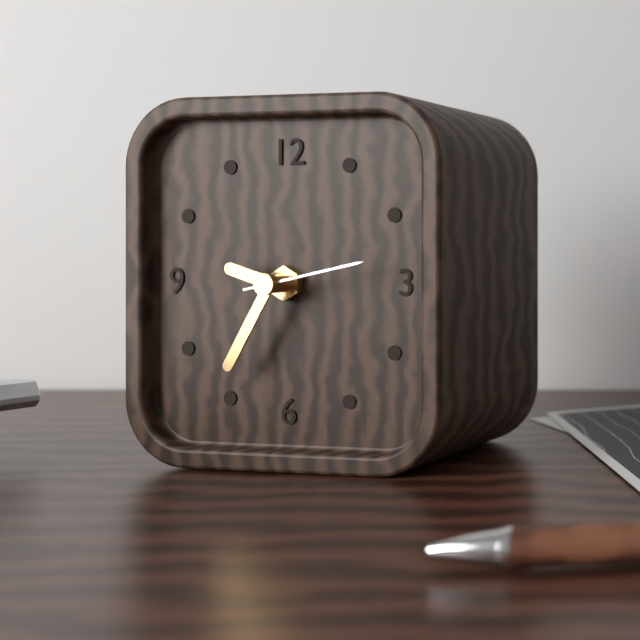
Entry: h=9 m=35 s=13
